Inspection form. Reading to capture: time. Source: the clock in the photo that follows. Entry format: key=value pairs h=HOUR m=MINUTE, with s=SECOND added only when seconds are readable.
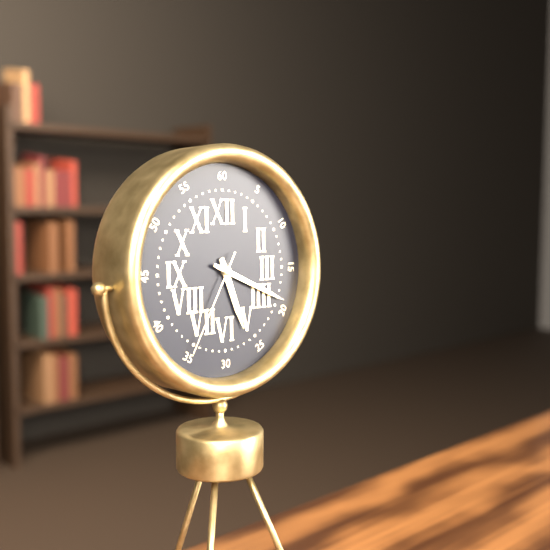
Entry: h=5 m=19 s=35
